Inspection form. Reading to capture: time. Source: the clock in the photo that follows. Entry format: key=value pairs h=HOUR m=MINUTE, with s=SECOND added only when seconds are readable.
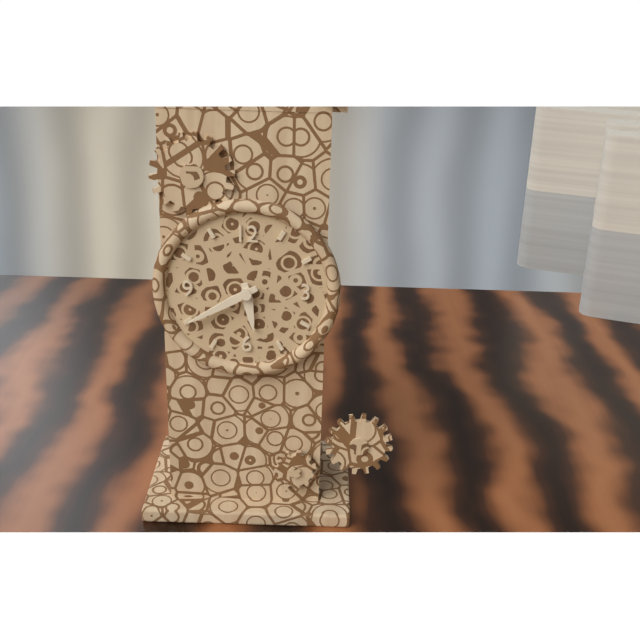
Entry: h=5 m=40
